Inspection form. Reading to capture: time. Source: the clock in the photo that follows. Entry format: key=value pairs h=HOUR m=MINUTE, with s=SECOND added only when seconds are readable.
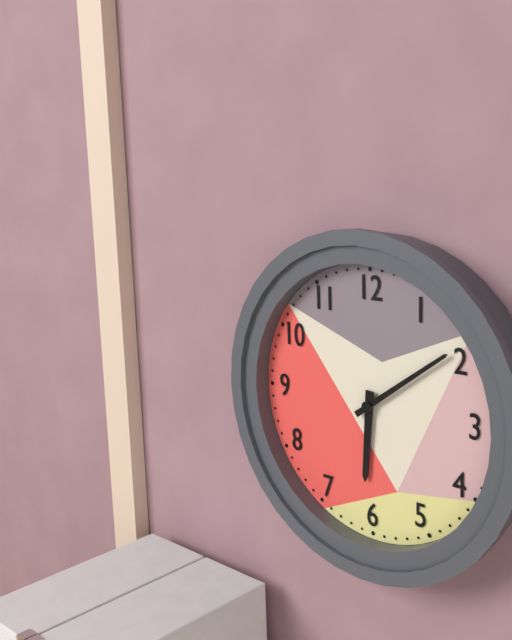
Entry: h=6 m=9
